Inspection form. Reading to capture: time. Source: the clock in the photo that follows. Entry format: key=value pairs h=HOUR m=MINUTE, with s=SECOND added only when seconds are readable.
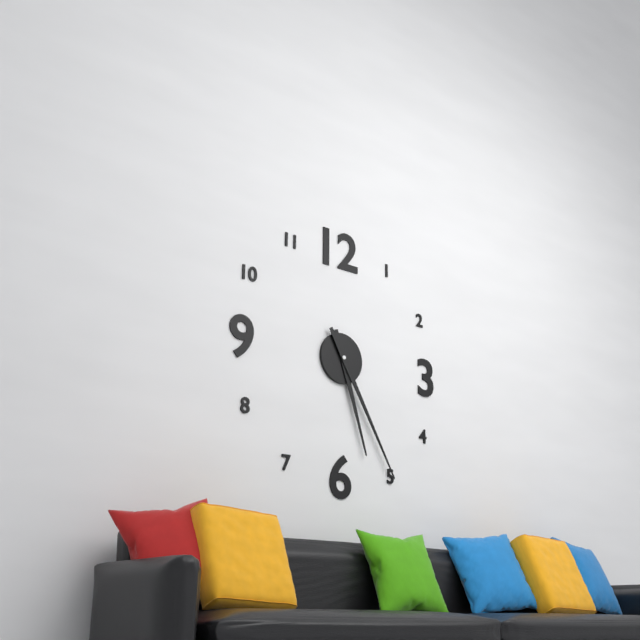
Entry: h=5 m=25
